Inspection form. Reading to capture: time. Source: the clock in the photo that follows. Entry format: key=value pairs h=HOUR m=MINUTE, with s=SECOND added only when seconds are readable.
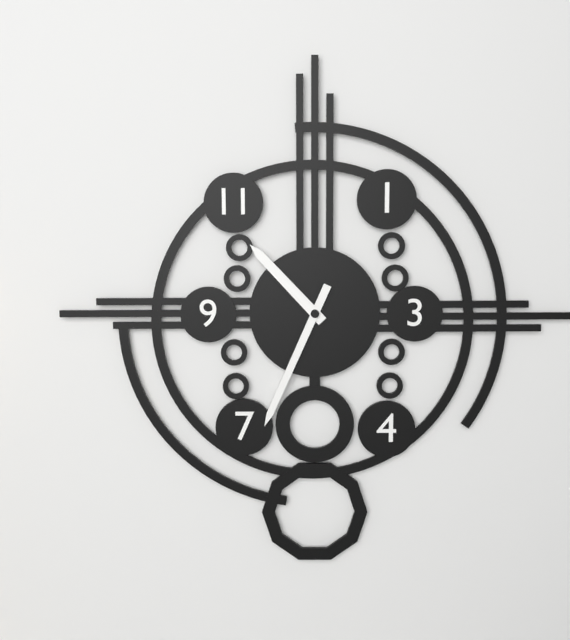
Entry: h=10 m=34
